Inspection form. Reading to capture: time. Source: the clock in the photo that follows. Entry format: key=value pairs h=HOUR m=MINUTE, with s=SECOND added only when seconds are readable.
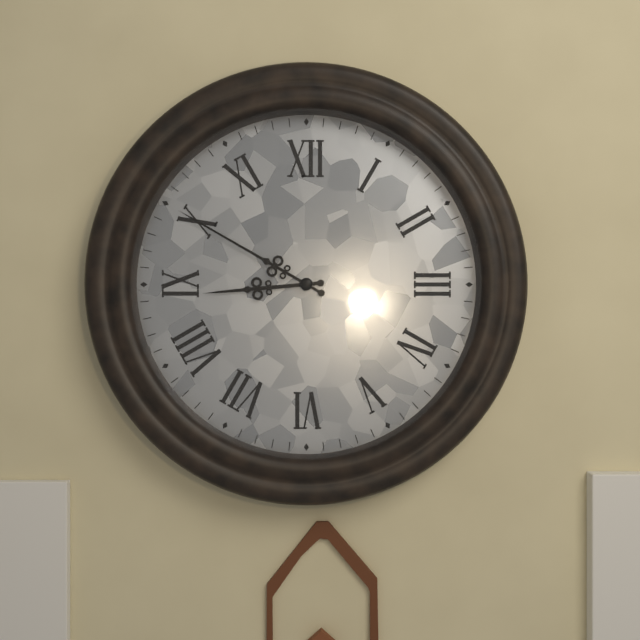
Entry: h=8 m=50
